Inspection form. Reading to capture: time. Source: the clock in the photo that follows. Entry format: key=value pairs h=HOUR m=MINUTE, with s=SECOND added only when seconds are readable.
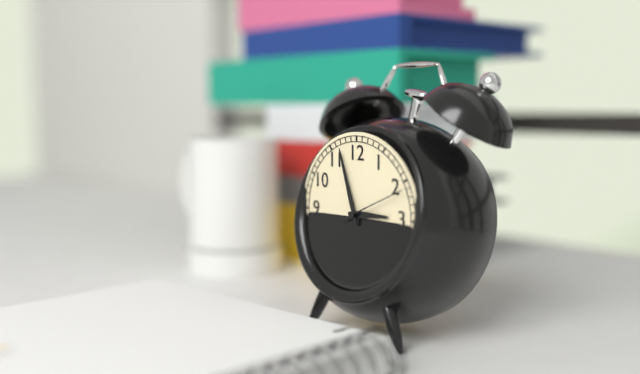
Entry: h=2 m=57 s=11
